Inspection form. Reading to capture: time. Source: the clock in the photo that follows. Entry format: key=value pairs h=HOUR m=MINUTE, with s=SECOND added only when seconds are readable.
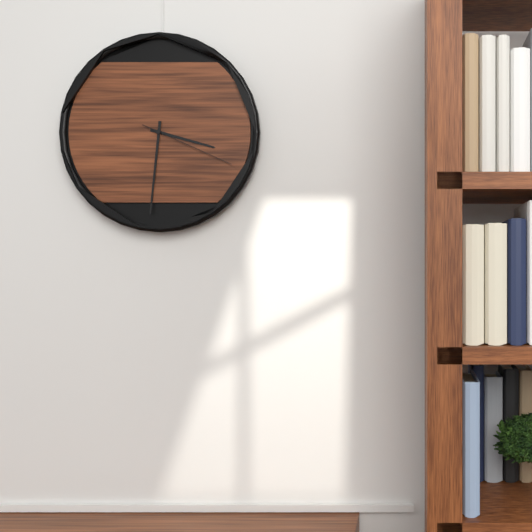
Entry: h=3 m=31 s=19
